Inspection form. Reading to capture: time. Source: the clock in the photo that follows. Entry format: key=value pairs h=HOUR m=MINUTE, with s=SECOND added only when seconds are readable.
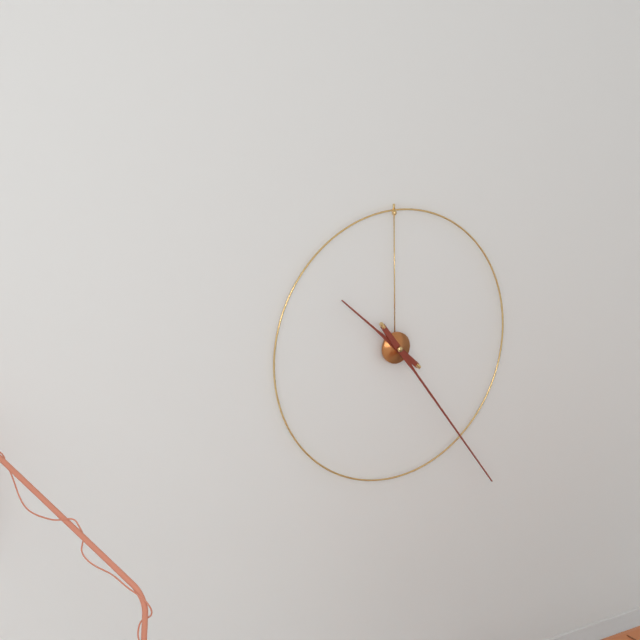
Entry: h=10 m=24
